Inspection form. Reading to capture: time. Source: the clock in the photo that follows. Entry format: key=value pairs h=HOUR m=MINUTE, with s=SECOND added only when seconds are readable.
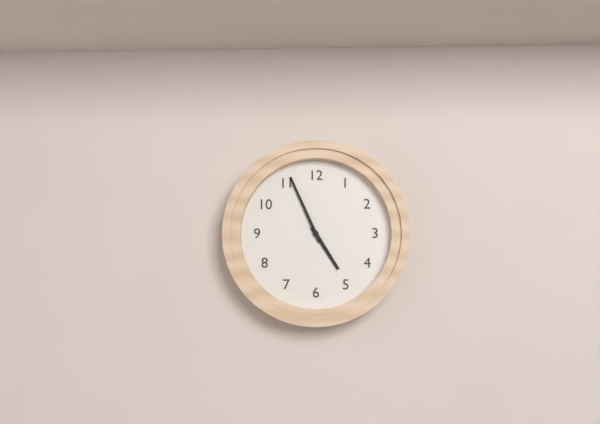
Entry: h=4 m=56
